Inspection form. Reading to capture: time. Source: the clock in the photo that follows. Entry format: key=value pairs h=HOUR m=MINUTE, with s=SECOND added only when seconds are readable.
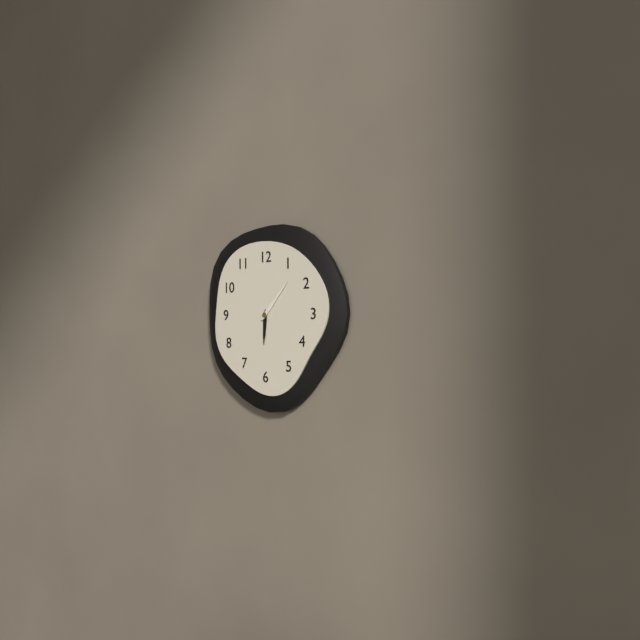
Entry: h=6 m=7
